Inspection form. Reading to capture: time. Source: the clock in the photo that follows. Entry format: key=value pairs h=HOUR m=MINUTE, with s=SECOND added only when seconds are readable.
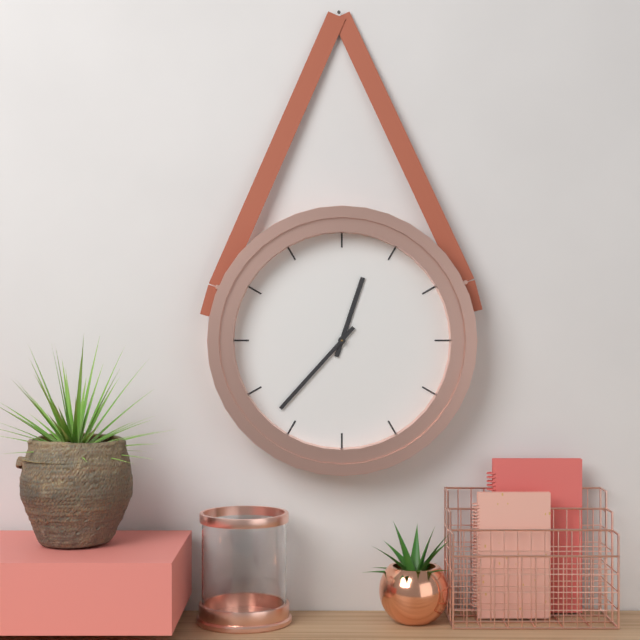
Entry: h=12 m=37
